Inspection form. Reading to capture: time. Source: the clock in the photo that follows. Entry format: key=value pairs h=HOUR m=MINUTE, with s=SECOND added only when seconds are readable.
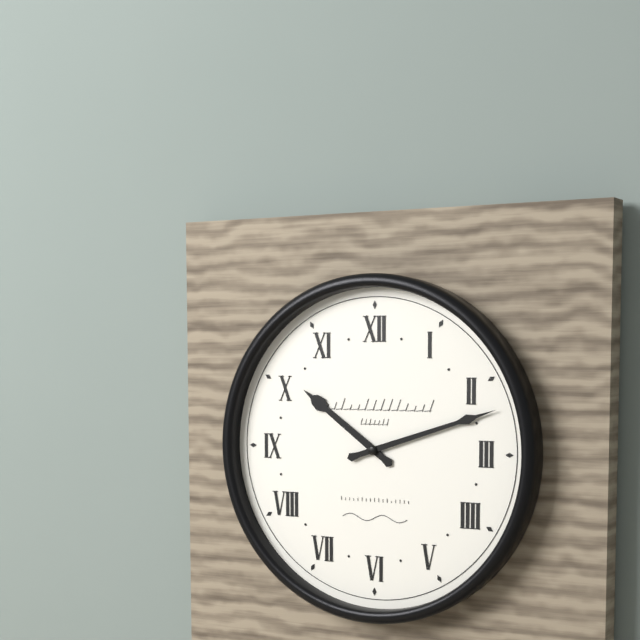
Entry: h=10 m=12
